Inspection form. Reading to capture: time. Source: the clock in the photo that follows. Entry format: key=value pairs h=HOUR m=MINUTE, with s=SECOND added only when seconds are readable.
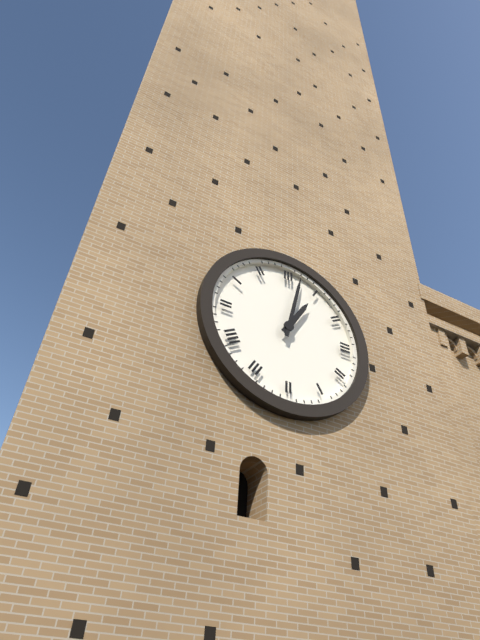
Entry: h=1 m=2
